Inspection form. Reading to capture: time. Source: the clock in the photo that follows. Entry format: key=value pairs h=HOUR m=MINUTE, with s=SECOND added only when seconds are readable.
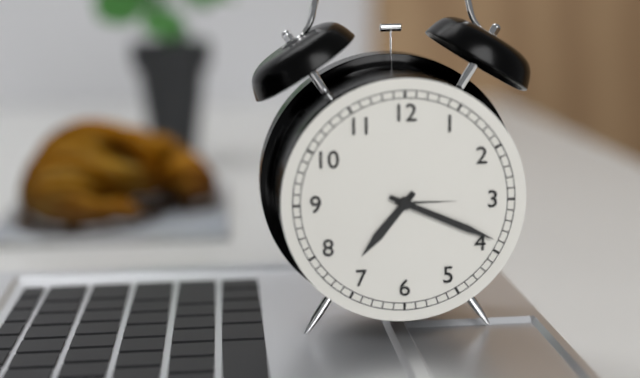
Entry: h=7 m=19
